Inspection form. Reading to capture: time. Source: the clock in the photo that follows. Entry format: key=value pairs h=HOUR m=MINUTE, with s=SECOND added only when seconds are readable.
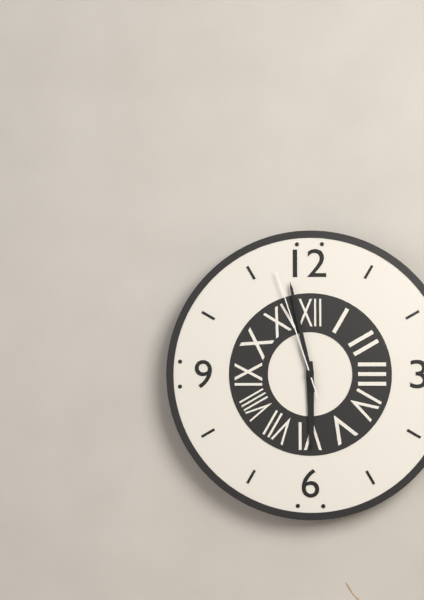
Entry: h=5 m=58 s=57
